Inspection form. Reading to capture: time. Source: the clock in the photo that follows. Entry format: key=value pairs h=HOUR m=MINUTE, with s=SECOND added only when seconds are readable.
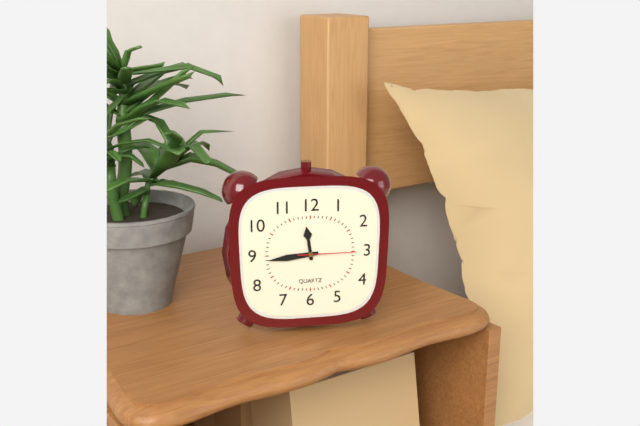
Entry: h=11 m=44 s=15
